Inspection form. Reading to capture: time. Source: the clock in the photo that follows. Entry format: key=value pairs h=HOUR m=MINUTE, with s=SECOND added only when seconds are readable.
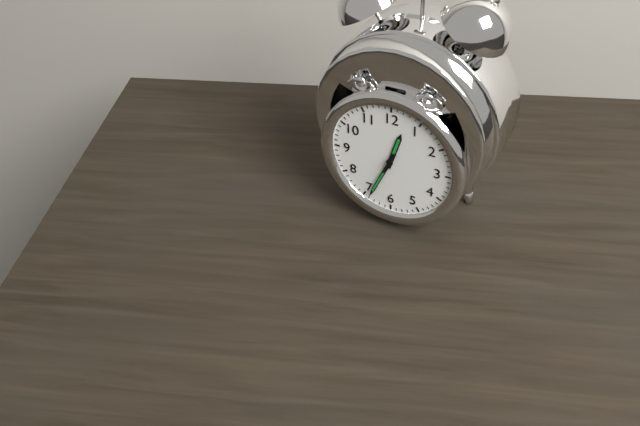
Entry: h=12 m=34
